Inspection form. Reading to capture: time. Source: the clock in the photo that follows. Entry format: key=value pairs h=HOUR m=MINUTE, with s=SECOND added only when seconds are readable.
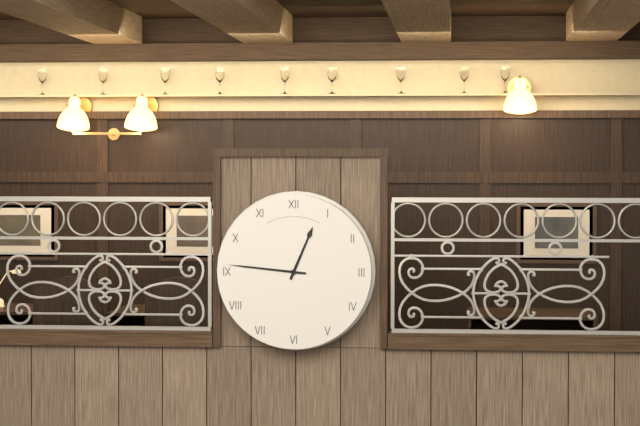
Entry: h=12 m=46
